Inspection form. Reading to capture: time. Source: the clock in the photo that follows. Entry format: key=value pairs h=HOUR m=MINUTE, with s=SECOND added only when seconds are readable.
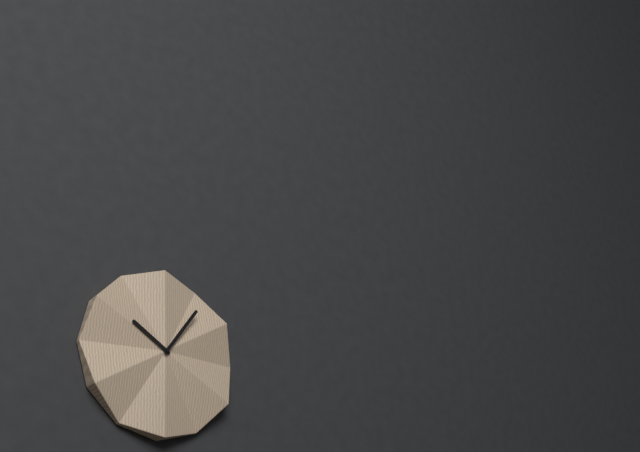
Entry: h=10 m=6
